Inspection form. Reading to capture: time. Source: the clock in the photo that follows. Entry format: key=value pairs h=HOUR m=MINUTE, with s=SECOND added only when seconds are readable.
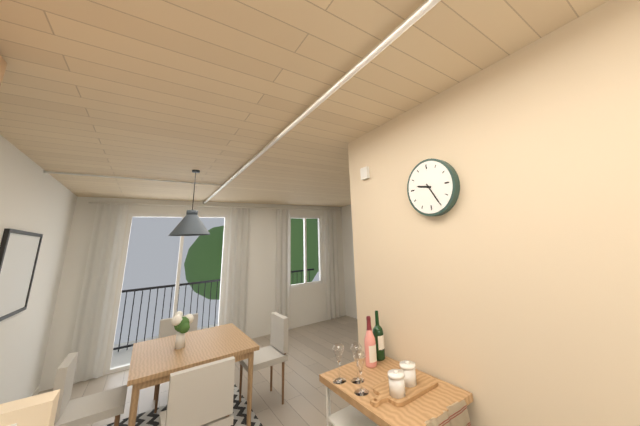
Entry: h=9 m=25
